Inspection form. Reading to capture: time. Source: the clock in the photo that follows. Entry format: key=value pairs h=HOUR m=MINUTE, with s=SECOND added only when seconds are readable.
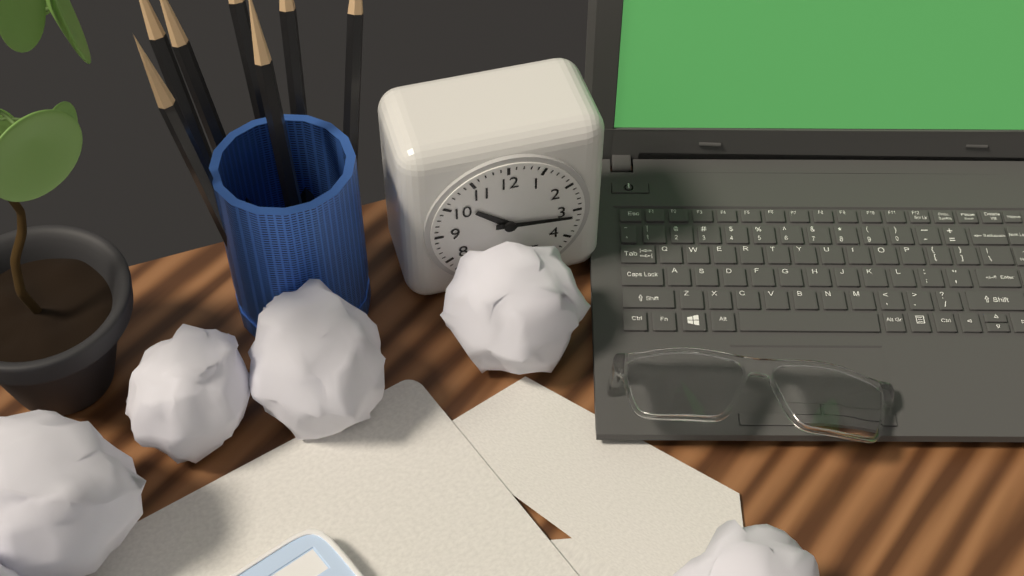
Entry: h=10 m=16
